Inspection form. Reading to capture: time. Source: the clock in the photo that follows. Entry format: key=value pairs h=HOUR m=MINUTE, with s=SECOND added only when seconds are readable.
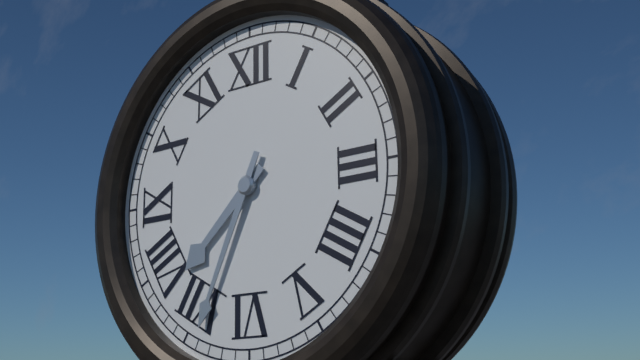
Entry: h=7 m=34
